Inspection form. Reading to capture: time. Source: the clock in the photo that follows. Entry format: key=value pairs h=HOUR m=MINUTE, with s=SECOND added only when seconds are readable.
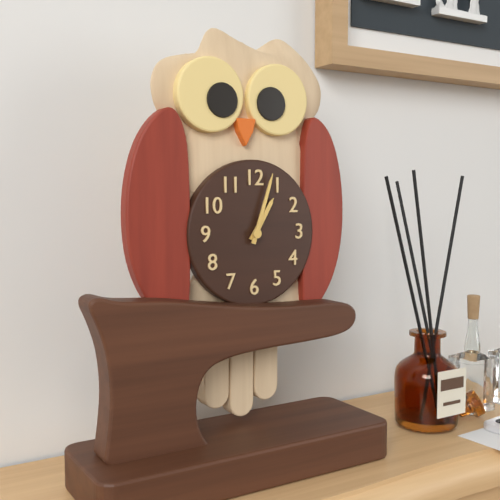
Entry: h=1 m=3
